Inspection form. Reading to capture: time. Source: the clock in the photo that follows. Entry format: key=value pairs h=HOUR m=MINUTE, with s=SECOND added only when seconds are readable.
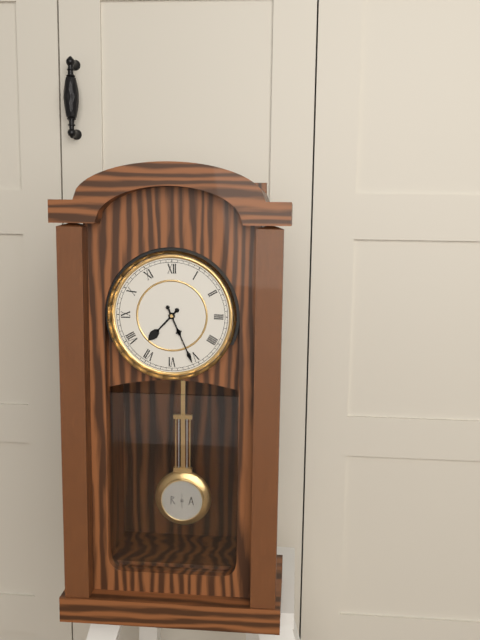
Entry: h=7 m=26
